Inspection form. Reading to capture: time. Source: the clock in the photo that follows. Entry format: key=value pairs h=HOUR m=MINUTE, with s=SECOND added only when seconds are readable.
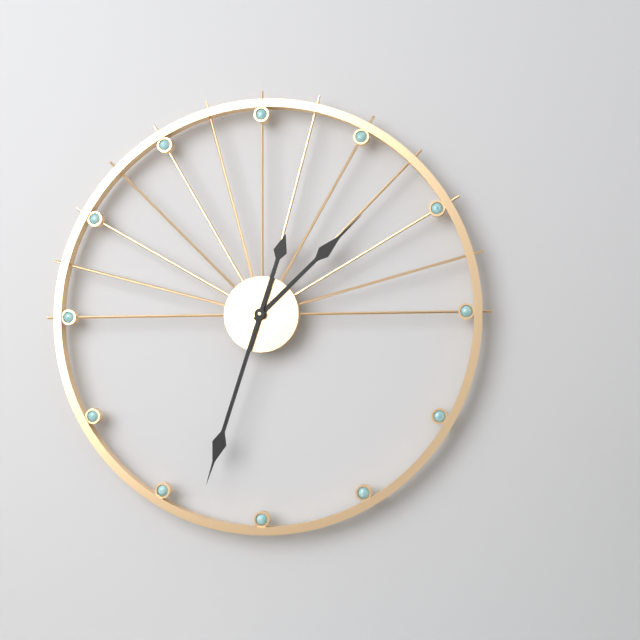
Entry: h=1 m=33
